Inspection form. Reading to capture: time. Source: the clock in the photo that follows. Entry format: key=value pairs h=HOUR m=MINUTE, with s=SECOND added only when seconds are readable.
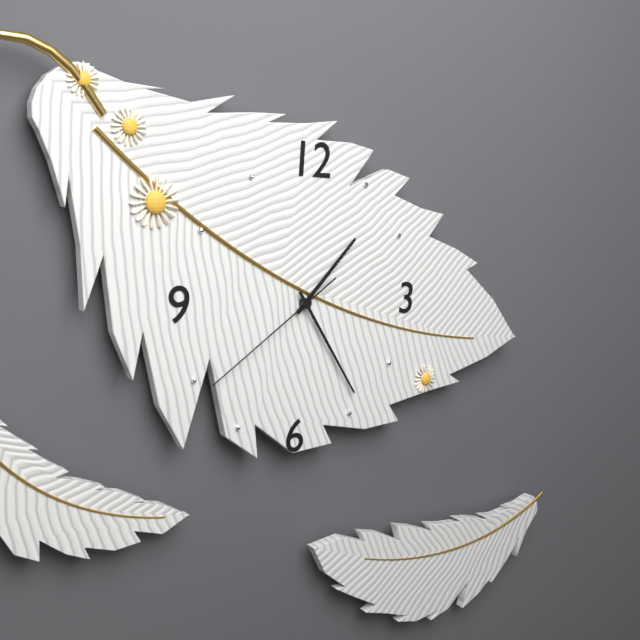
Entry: h=1 m=24 s=39
